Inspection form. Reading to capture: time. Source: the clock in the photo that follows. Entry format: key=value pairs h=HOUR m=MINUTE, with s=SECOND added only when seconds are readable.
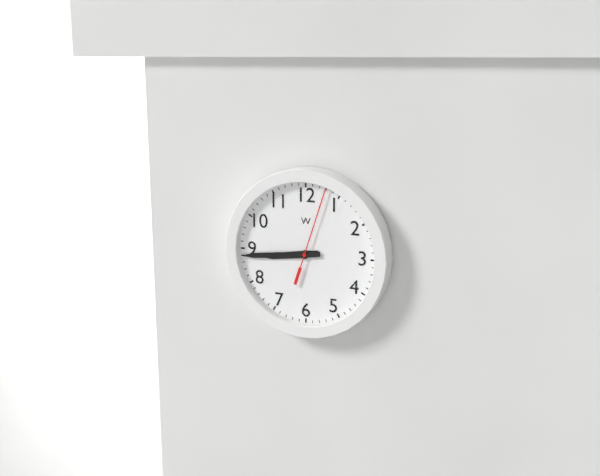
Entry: h=8 m=44 s=3
